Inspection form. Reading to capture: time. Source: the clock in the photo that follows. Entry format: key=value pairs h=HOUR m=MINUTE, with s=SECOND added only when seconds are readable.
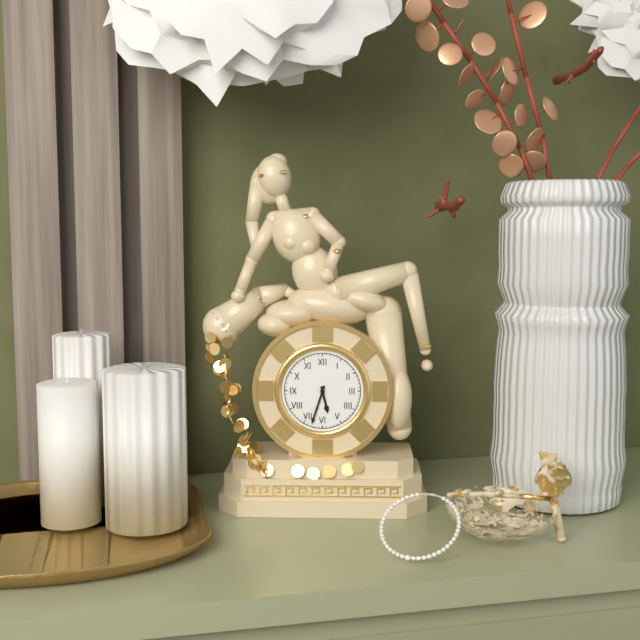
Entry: h=5 m=33
